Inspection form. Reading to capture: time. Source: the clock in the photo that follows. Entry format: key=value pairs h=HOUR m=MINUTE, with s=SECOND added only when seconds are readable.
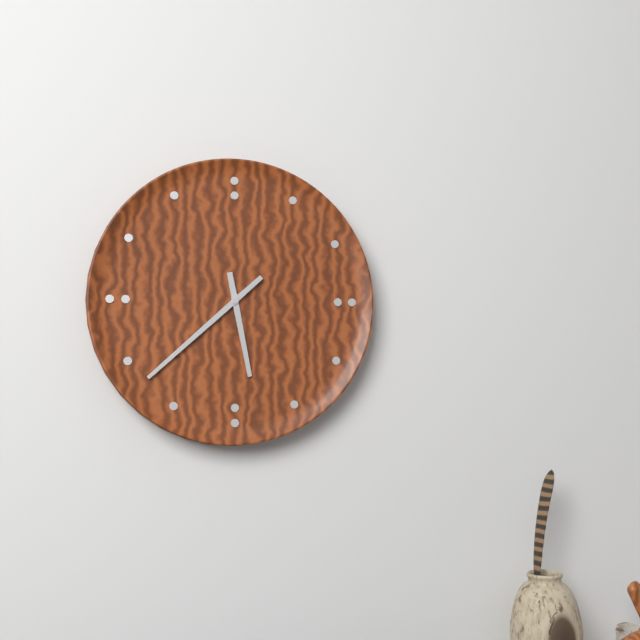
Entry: h=5 m=38
